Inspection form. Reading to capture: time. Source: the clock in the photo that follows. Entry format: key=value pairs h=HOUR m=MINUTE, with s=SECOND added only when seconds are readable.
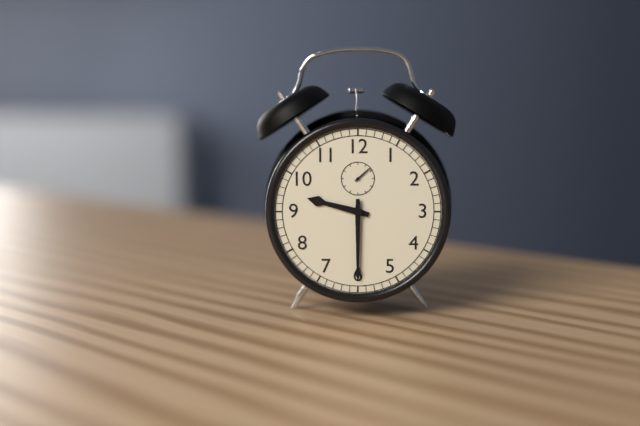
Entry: h=9 m=30
